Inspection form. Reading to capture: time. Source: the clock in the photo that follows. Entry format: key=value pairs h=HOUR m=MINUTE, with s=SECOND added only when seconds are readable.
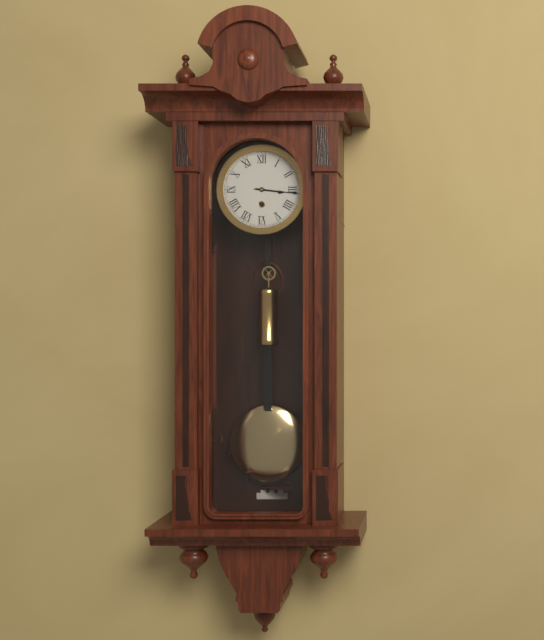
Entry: h=3 m=16
